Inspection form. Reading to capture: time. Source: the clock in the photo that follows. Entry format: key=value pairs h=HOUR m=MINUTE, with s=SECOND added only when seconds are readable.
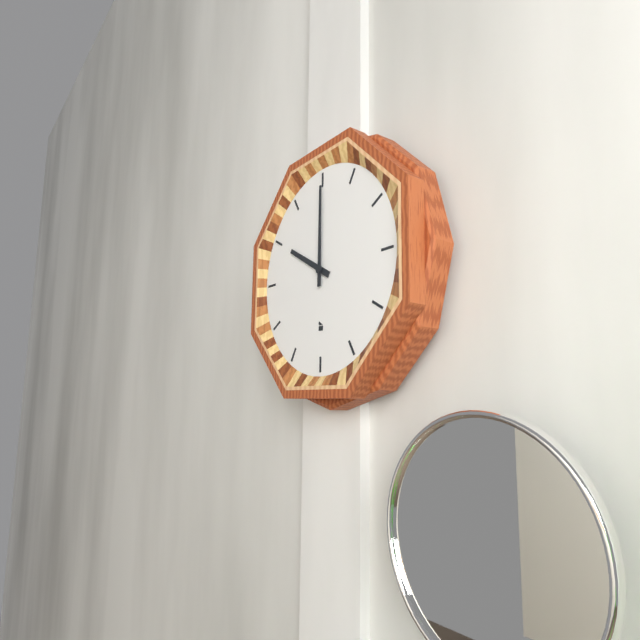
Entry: h=10 m=0
